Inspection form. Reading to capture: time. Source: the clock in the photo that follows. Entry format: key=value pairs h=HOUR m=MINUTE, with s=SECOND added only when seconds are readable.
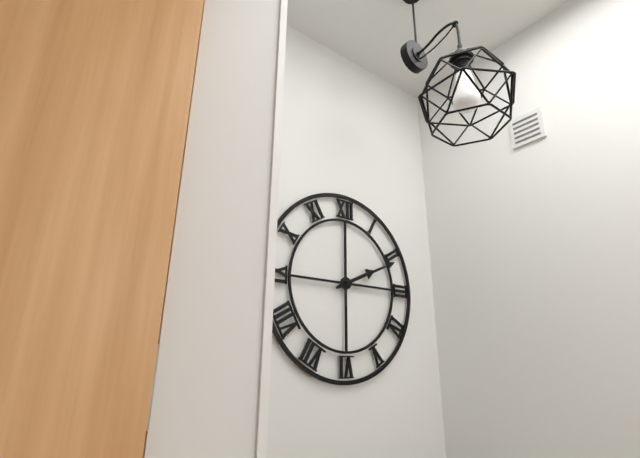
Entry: h=2 m=11
